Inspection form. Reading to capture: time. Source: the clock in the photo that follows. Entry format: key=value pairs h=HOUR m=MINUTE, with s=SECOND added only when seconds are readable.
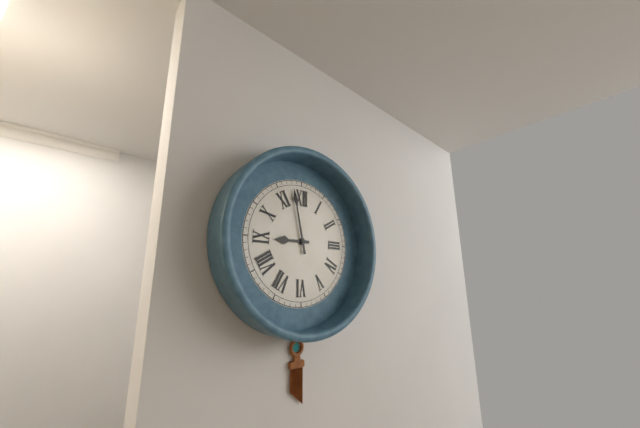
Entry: h=8 m=58
